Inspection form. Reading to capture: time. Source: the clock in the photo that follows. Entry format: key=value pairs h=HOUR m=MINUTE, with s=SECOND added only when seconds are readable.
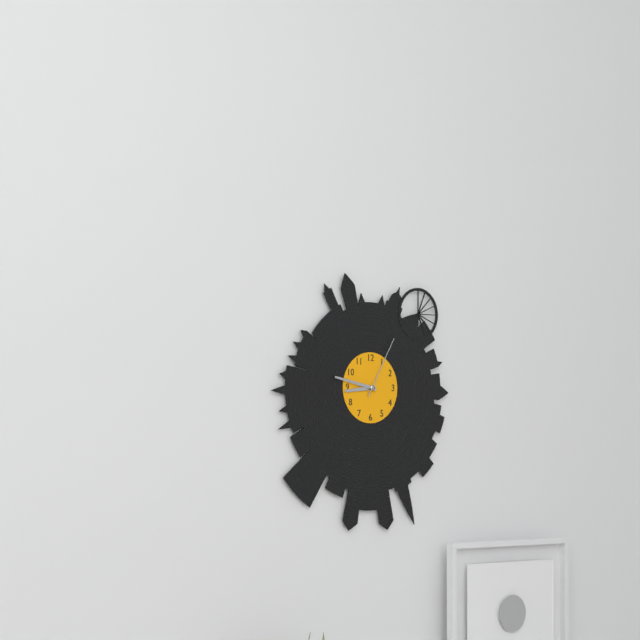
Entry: h=8 m=47 s=5
